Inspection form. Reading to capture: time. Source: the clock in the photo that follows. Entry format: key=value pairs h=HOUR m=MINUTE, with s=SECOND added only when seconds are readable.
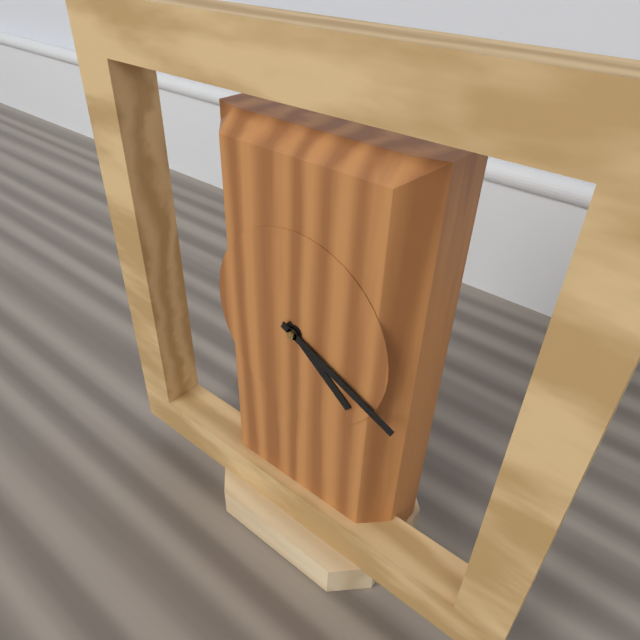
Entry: h=4 m=19
